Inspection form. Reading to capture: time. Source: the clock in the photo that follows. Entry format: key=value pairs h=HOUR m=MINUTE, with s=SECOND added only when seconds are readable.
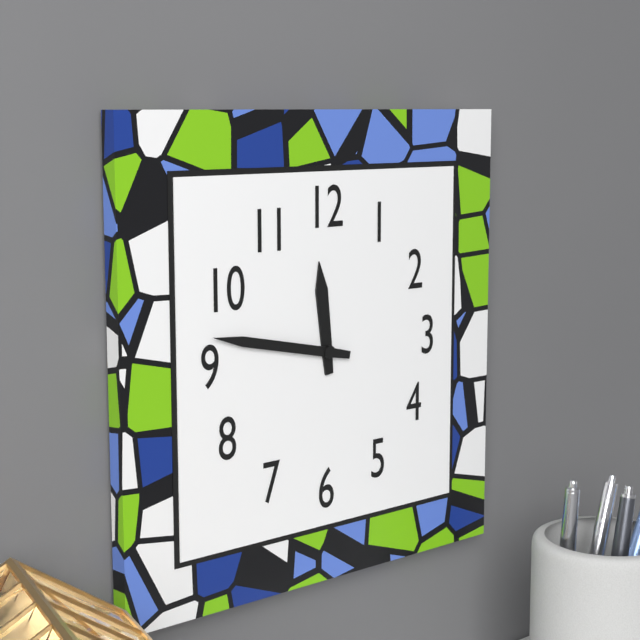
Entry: h=11 m=47
